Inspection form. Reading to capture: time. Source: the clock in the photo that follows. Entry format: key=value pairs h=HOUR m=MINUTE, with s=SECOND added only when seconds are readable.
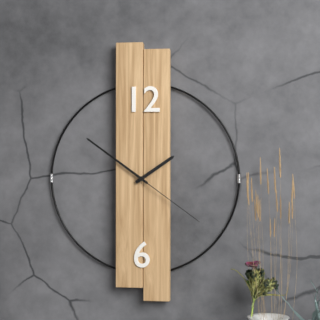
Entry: h=1 m=51 s=21
